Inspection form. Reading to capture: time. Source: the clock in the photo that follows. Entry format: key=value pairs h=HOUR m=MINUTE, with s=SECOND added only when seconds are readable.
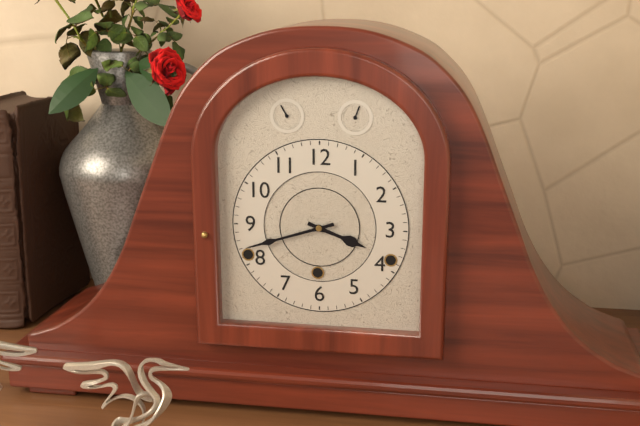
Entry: h=3 m=42
